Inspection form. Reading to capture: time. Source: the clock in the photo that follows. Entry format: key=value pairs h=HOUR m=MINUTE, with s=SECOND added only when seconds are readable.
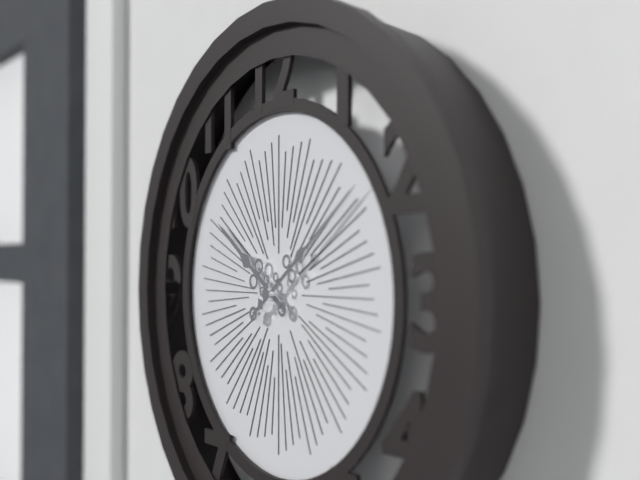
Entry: h=10 m=9
